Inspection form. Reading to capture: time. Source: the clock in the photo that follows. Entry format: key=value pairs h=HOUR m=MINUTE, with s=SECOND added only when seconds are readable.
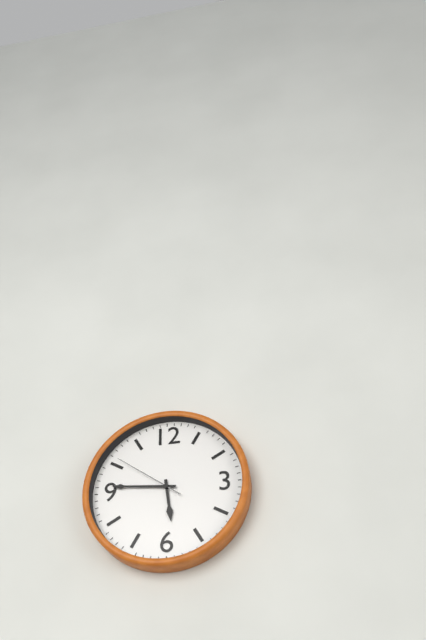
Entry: h=5 m=46 s=51
